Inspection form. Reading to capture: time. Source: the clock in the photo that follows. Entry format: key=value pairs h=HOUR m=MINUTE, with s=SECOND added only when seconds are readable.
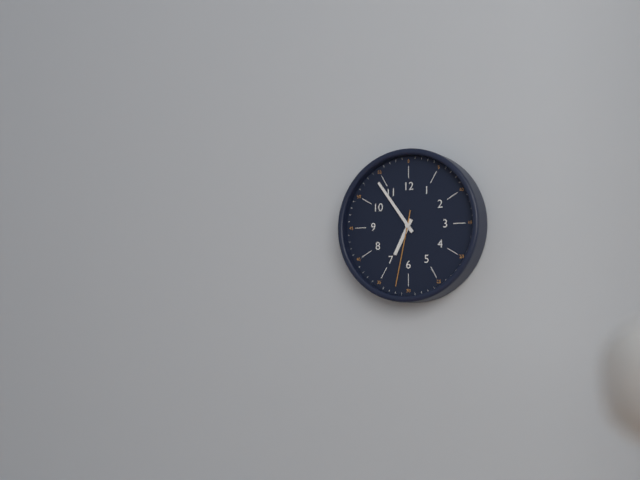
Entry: h=6 m=54 s=32
